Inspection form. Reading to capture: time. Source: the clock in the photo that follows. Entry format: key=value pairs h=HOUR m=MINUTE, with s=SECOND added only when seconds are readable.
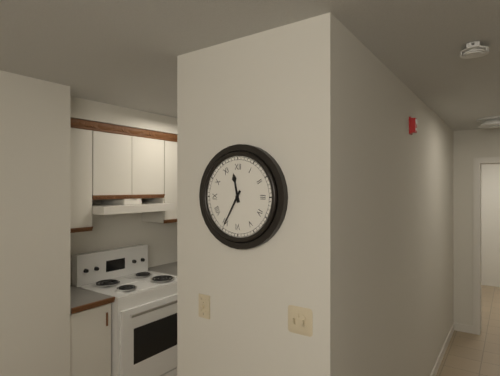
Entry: h=11 m=35
